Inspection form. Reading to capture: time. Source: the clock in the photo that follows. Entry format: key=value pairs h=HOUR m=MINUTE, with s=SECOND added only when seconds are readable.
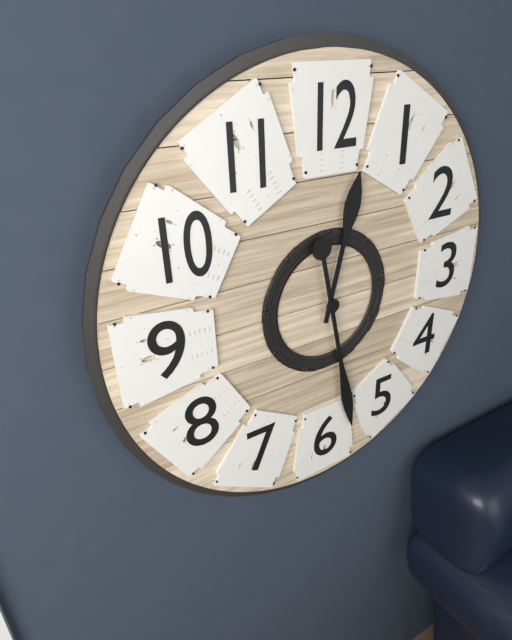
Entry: h=12 m=28
